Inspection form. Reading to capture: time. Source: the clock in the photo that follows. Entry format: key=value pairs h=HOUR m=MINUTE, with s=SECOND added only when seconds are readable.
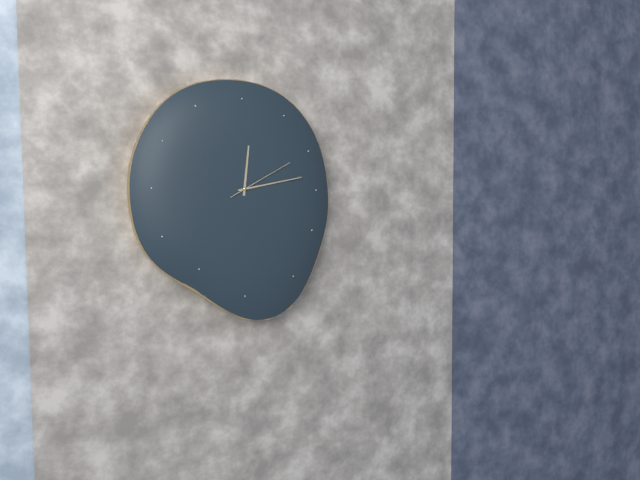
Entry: h=12 m=13 s=10
